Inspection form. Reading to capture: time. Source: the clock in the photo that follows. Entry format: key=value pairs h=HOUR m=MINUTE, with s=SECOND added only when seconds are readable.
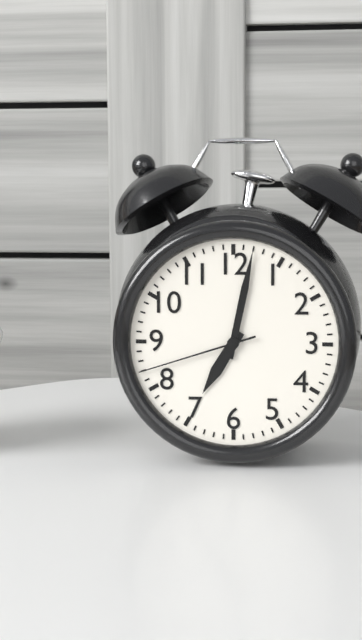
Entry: h=7 m=2 s=42
